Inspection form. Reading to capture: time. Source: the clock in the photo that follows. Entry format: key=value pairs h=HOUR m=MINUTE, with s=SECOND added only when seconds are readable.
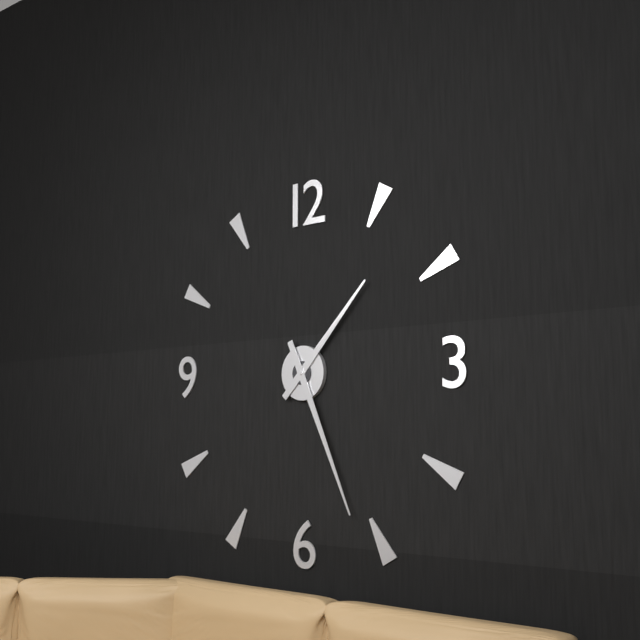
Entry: h=1 m=26
